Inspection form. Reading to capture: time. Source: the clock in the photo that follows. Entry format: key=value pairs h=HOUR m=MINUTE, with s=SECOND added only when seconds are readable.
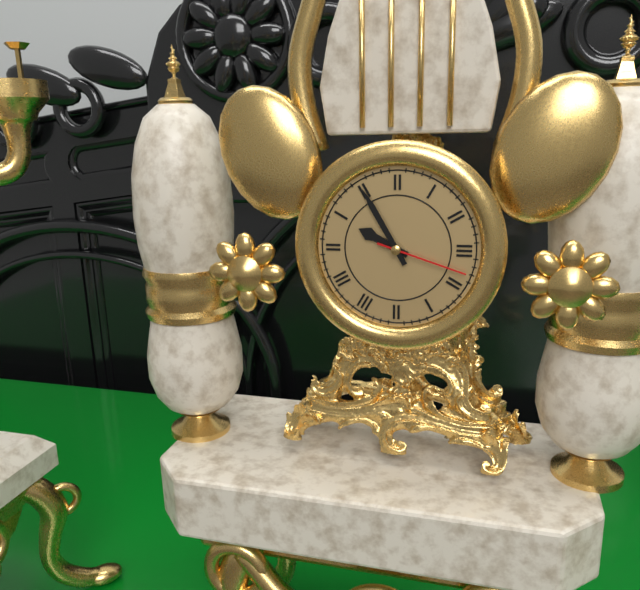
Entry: h=9 m=55 s=18
